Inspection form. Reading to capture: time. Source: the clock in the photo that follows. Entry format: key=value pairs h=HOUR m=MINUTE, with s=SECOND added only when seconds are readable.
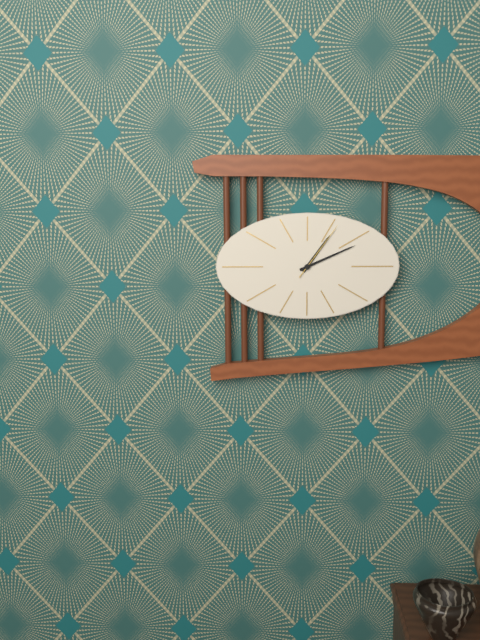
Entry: h=1 m=11 s=6
